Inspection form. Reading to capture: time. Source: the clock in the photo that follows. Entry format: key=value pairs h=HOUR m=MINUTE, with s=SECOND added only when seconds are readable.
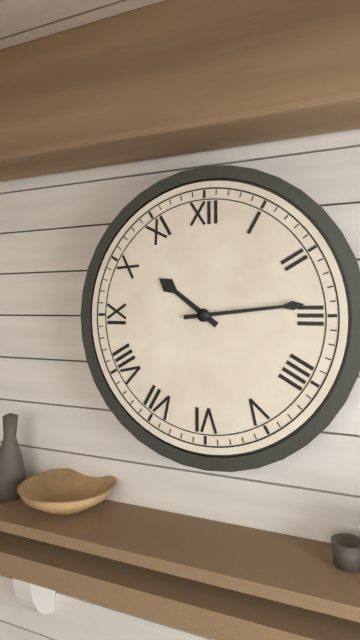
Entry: h=10 m=14
